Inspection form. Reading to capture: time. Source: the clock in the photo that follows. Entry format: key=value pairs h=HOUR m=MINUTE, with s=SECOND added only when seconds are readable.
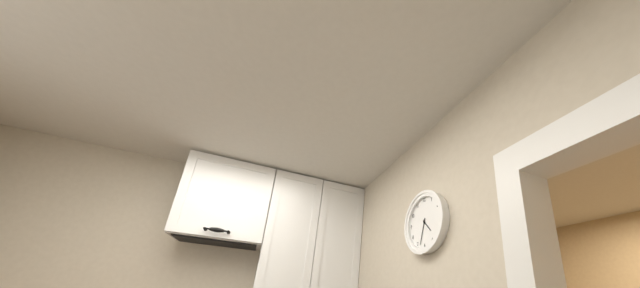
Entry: h=4 m=33
